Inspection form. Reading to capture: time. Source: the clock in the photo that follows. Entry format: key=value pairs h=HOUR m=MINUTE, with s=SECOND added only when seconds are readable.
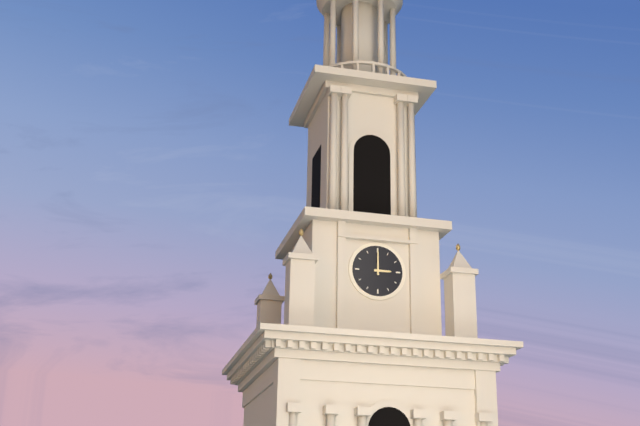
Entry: h=3 m=0
